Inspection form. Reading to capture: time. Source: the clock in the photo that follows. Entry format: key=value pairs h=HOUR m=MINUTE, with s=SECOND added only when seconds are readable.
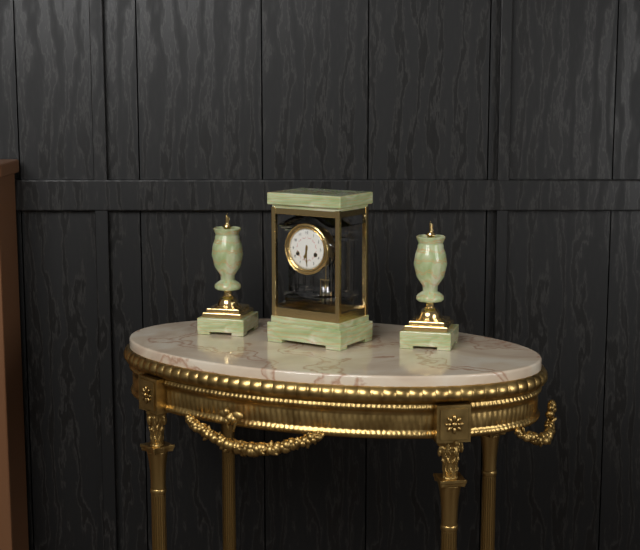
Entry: h=6 m=30
